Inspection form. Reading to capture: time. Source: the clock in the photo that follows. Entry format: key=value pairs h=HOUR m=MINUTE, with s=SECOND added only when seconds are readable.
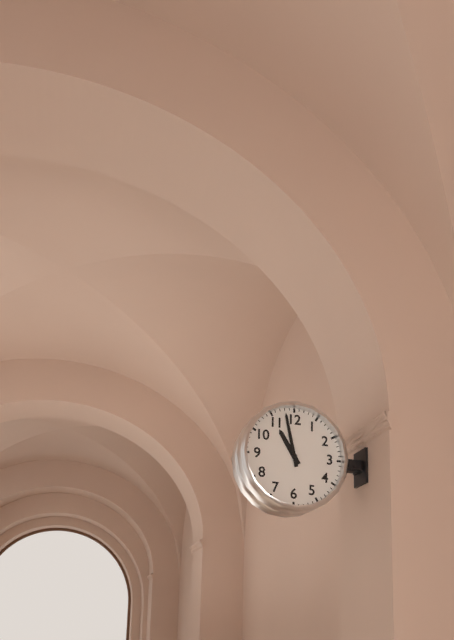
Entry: h=10 m=58
